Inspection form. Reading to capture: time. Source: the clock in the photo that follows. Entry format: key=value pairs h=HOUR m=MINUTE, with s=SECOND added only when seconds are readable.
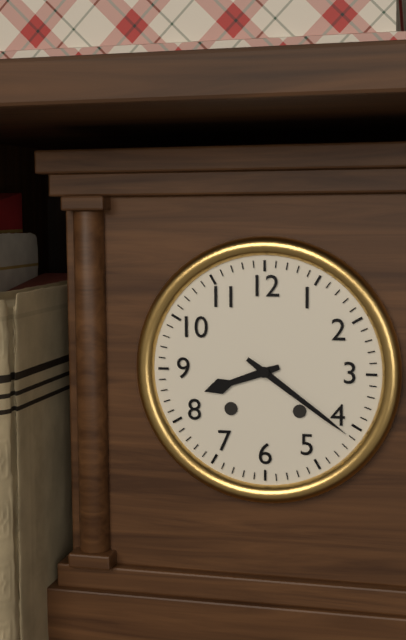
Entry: h=8 m=21
